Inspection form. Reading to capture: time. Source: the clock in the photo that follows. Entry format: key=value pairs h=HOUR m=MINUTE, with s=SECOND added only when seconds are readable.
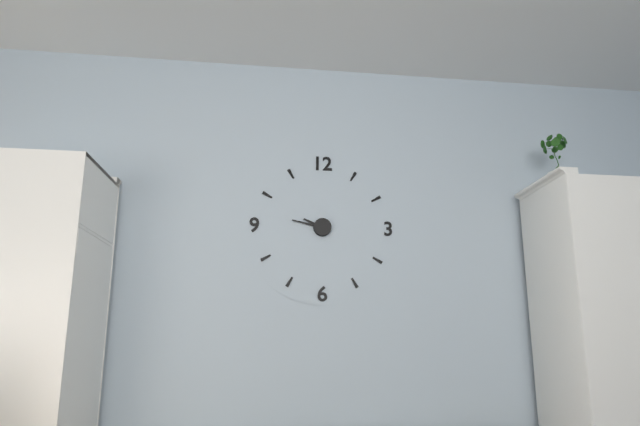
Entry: h=9 m=47
